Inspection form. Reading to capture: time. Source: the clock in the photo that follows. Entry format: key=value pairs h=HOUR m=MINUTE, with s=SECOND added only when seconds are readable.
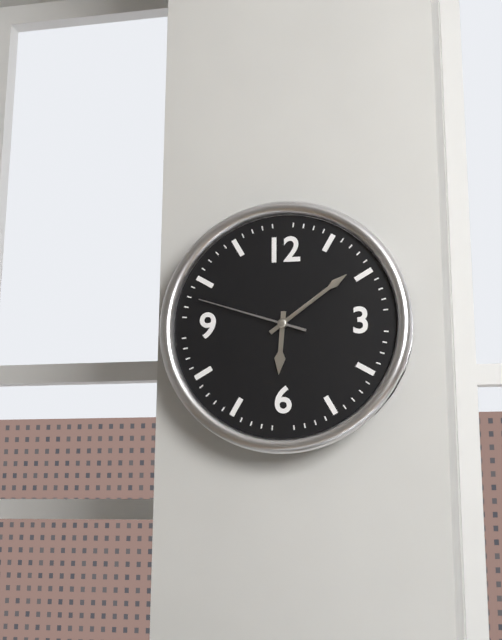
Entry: h=6 m=9 s=48
